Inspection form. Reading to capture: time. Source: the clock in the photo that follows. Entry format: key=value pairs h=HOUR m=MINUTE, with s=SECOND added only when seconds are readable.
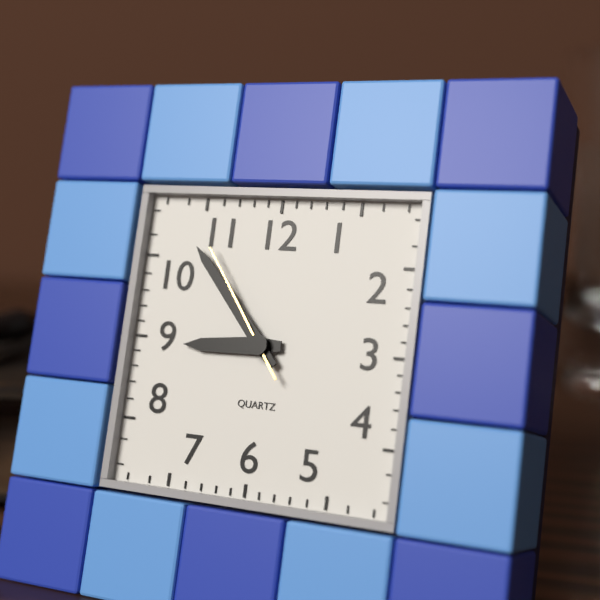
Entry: h=8 m=53 s=54
